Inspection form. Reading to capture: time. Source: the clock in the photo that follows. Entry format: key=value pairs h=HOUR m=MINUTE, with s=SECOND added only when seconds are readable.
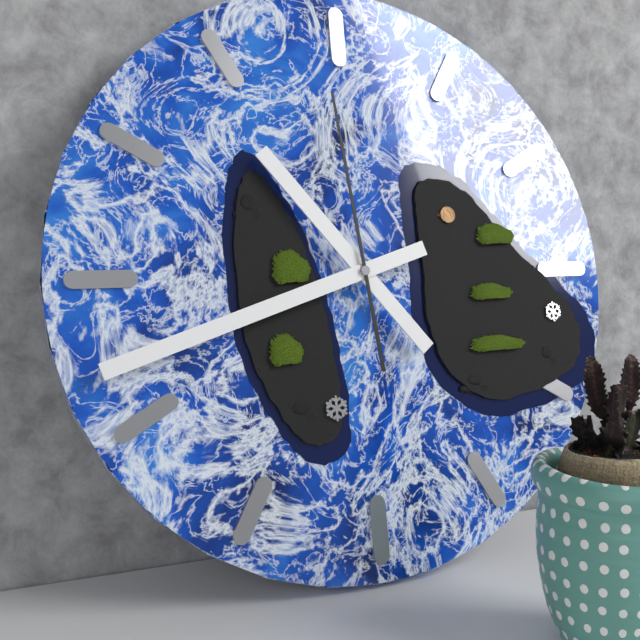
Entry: h=10 m=42 s=59
